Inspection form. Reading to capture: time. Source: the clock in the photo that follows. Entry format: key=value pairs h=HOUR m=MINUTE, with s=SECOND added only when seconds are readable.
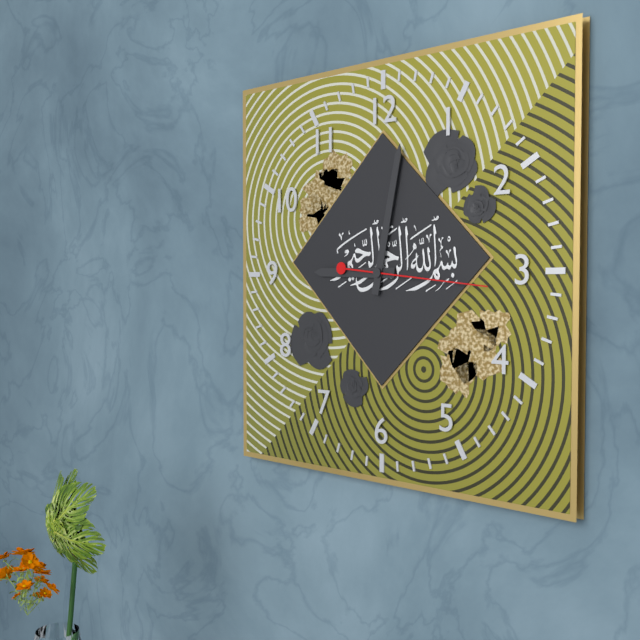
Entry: h=9 m=2 s=16
